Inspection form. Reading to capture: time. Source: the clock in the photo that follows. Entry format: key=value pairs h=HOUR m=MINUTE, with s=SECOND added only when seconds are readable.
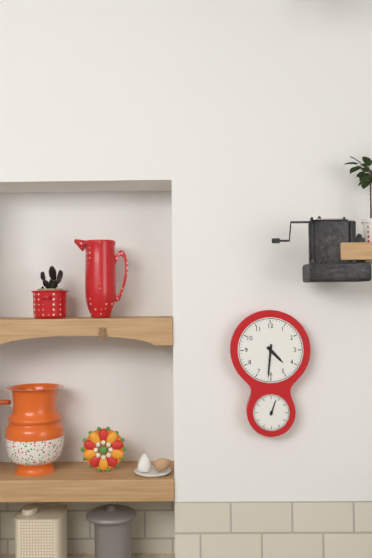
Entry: h=4 m=31
